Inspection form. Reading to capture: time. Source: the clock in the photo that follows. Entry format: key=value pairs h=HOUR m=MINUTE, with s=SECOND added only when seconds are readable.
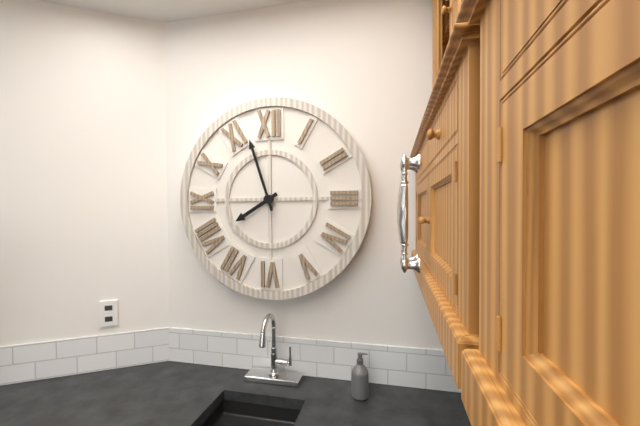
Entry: h=7 m=57
